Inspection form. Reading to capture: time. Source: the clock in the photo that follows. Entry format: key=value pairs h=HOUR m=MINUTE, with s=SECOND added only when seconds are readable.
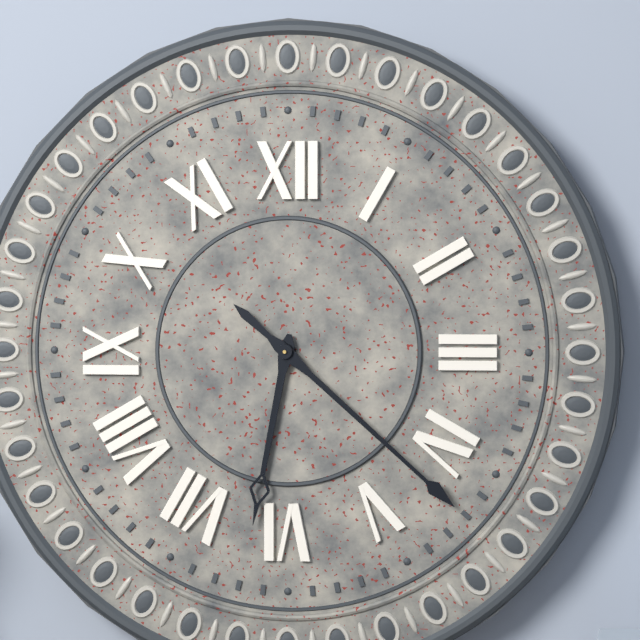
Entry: h=6 m=22
